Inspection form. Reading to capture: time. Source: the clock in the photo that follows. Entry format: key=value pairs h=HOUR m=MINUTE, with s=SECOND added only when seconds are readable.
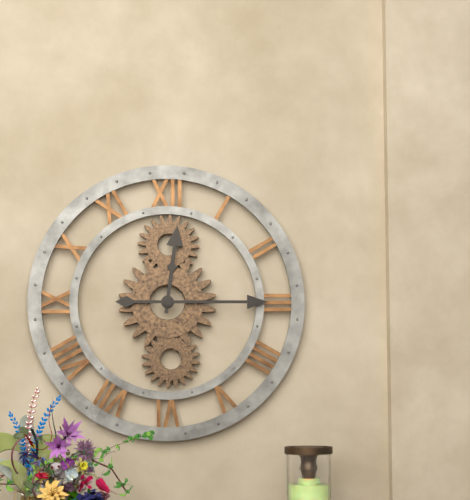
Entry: h=12 m=15
